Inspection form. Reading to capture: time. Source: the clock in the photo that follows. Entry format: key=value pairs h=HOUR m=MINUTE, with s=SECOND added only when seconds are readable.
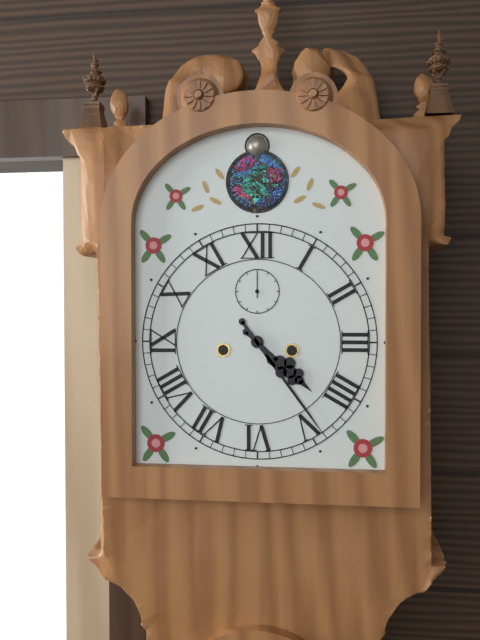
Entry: h=4 m=24
